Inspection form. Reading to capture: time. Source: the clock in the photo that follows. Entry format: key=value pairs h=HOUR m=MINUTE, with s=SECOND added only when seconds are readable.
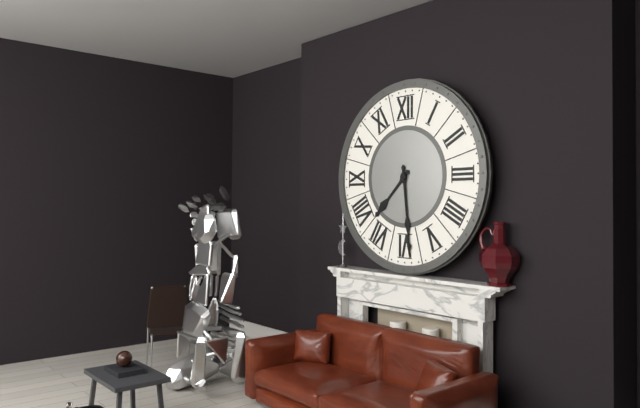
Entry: h=7 m=29
